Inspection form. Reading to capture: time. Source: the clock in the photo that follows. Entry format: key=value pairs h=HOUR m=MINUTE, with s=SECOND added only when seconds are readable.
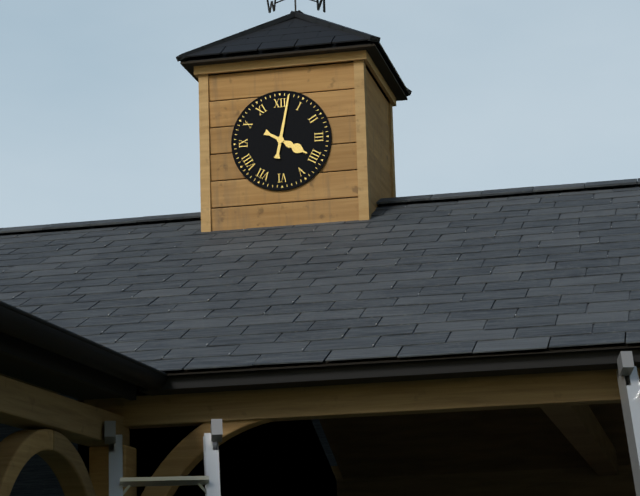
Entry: h=4 m=2
